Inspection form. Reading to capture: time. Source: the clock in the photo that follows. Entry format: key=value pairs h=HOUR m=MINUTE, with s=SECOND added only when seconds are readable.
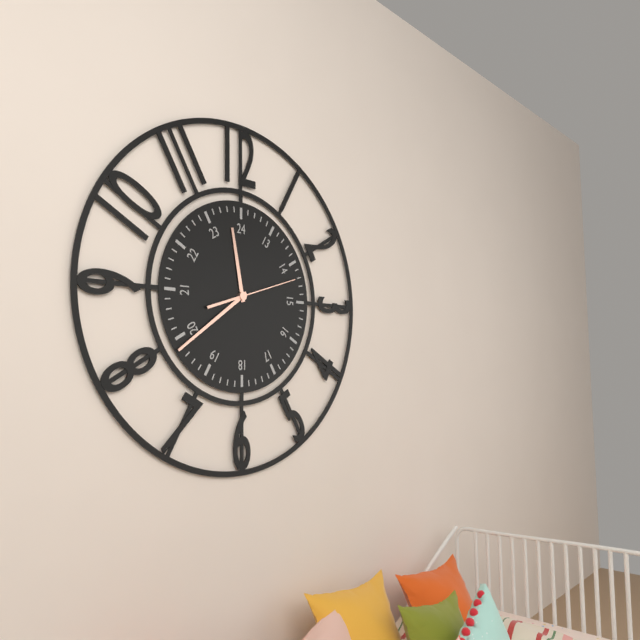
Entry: h=11 m=39 s=12
